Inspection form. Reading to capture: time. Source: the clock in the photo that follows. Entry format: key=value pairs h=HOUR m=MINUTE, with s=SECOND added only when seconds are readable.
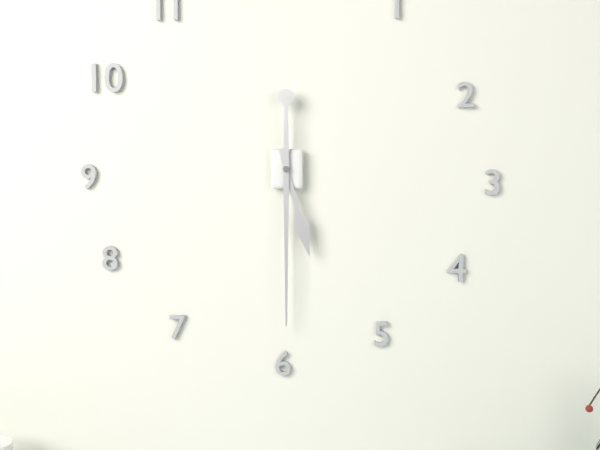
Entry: h=5 m=30
